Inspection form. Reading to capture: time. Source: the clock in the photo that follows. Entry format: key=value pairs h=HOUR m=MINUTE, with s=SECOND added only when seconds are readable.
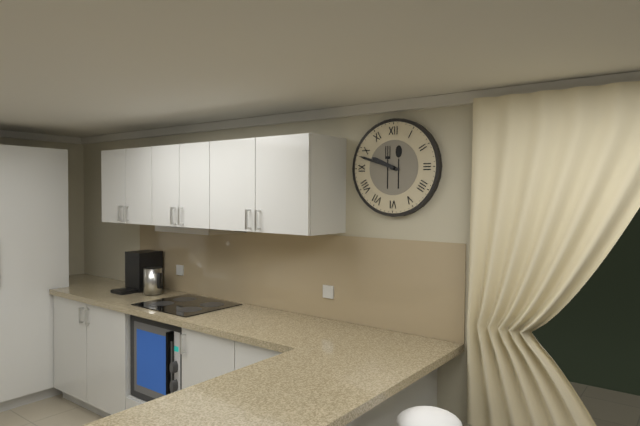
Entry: h=9 m=48
